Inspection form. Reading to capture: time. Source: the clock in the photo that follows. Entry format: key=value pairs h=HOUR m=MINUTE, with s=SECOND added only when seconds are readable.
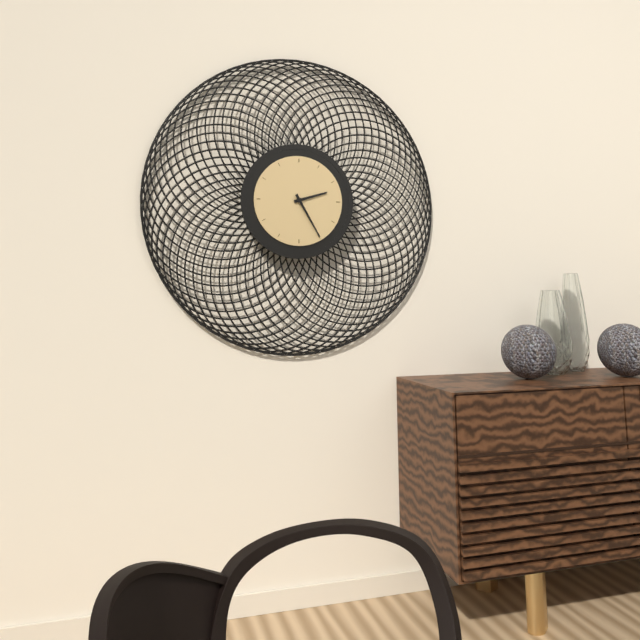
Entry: h=2 m=25
